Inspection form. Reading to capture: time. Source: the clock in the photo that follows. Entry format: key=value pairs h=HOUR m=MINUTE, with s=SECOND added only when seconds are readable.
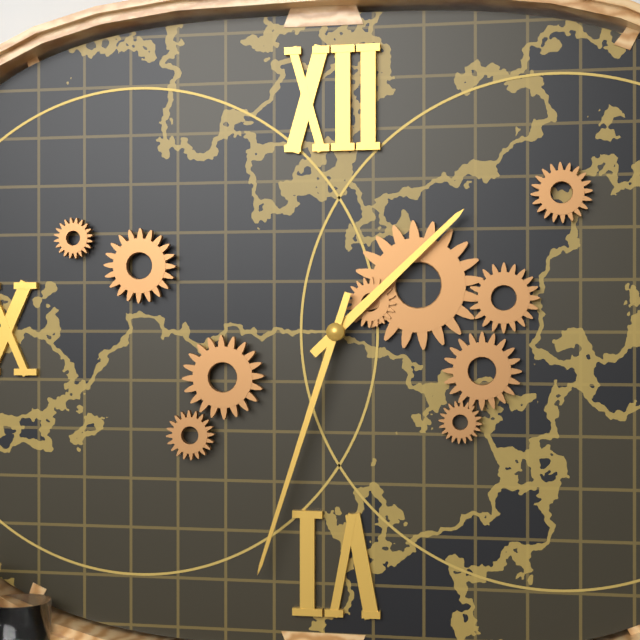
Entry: h=1 m=33
